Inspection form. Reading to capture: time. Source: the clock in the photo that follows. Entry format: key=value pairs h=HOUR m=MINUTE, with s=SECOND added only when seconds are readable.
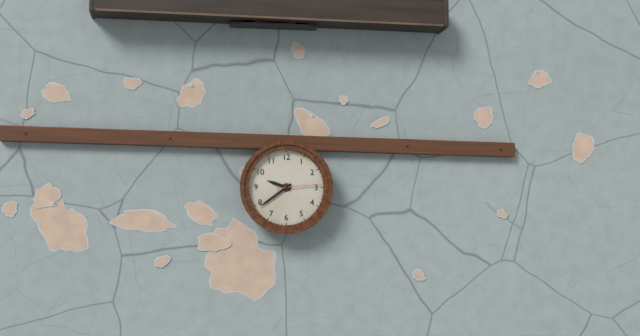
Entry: h=9 m=39
